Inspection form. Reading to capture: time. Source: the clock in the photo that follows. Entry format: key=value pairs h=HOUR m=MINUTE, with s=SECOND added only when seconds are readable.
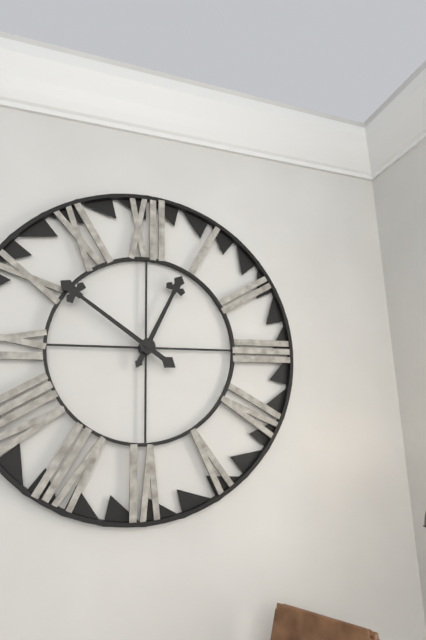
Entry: h=12 m=51
